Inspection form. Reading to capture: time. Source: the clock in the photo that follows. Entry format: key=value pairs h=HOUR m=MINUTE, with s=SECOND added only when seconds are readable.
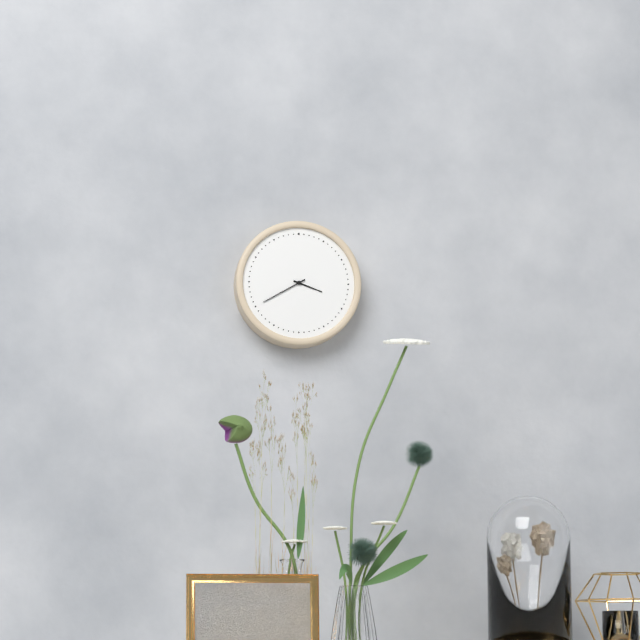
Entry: h=3 m=40
